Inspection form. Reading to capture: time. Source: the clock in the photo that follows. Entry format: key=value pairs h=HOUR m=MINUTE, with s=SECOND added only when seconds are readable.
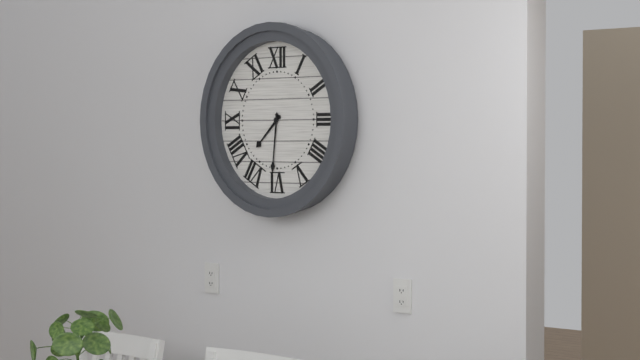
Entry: h=7 m=31
